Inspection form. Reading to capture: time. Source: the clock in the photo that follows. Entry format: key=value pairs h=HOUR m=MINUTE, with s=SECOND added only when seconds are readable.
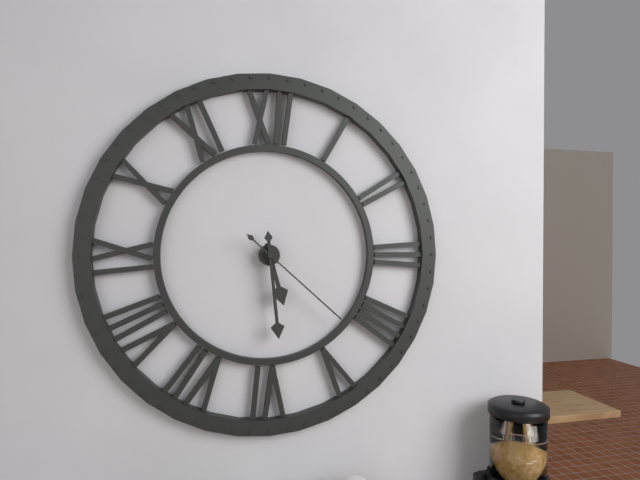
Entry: h=5 m=29 s=22
